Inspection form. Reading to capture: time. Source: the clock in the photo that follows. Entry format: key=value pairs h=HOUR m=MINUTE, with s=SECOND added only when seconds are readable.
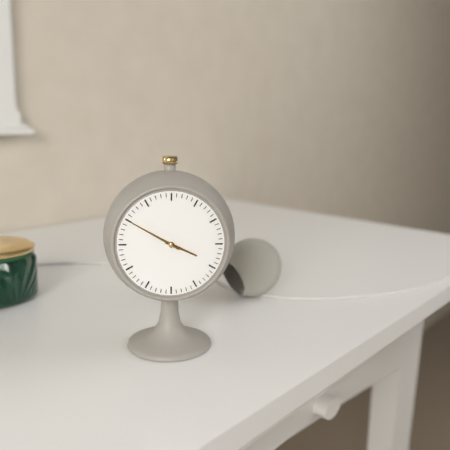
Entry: h=3 m=50
